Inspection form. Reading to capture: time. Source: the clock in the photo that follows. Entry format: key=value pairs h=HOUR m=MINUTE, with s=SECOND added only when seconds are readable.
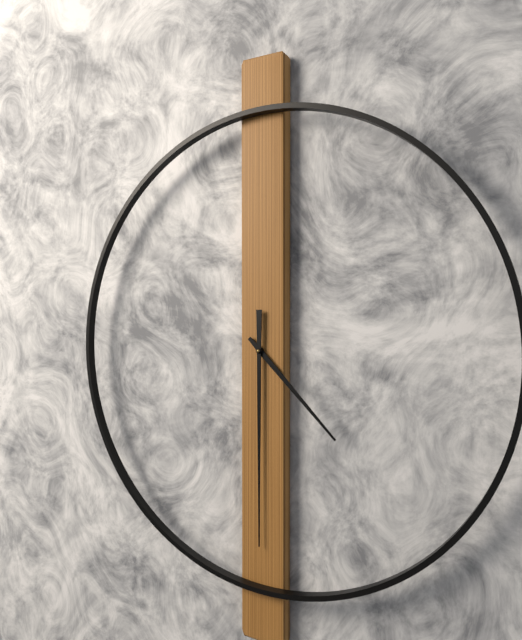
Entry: h=4 m=30
